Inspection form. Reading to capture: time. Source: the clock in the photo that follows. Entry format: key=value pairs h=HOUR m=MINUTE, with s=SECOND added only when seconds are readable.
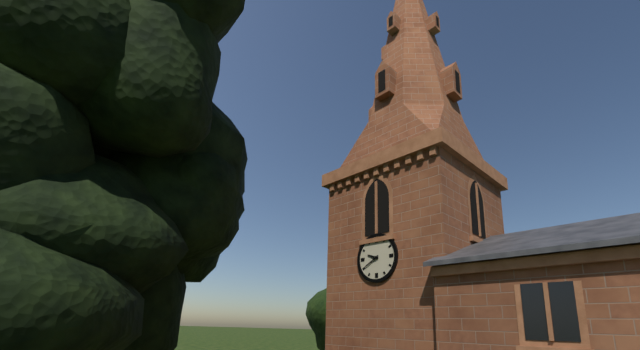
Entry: h=9 m=40
